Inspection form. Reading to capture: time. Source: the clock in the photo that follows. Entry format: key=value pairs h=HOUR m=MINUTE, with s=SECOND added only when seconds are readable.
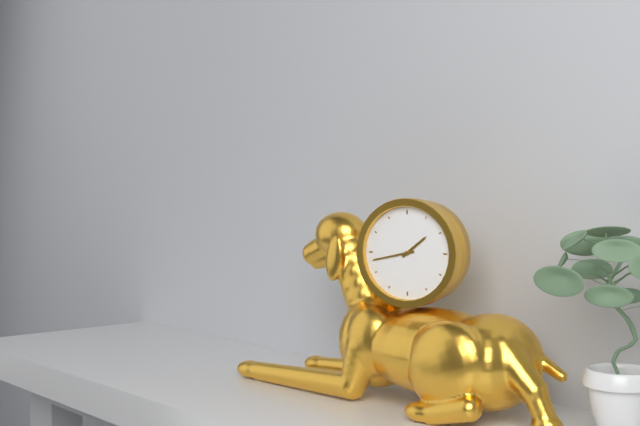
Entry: h=1 m=43
